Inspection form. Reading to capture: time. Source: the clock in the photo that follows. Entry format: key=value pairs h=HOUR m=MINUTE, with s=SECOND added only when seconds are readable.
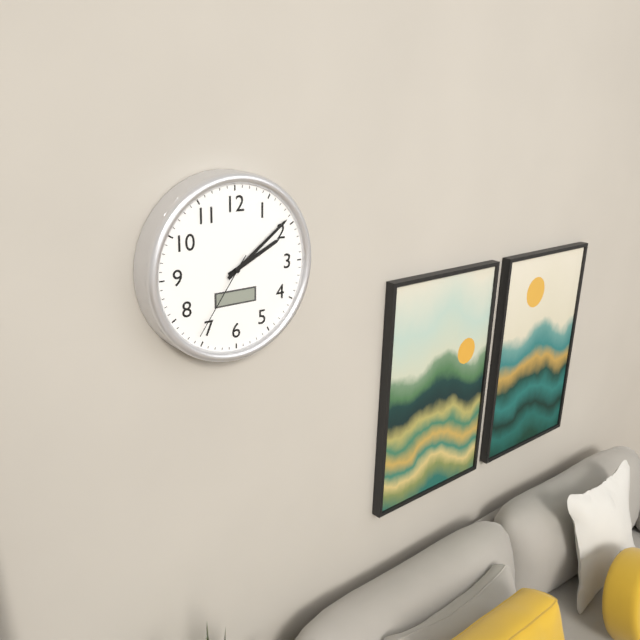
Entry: h=2 m=9 s=36
